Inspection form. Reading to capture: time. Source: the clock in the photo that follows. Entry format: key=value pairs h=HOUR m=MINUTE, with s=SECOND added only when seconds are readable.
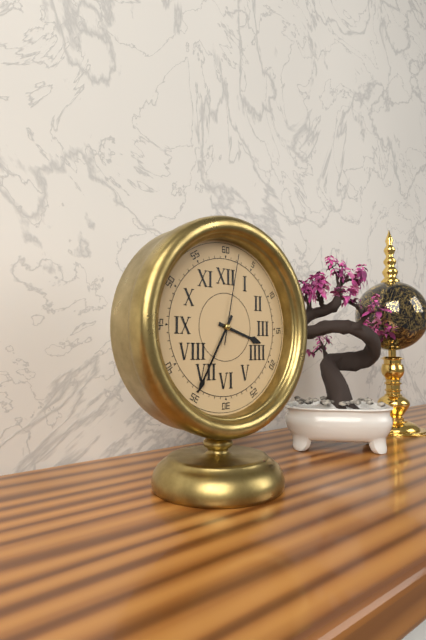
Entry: h=3 m=35 s=2
